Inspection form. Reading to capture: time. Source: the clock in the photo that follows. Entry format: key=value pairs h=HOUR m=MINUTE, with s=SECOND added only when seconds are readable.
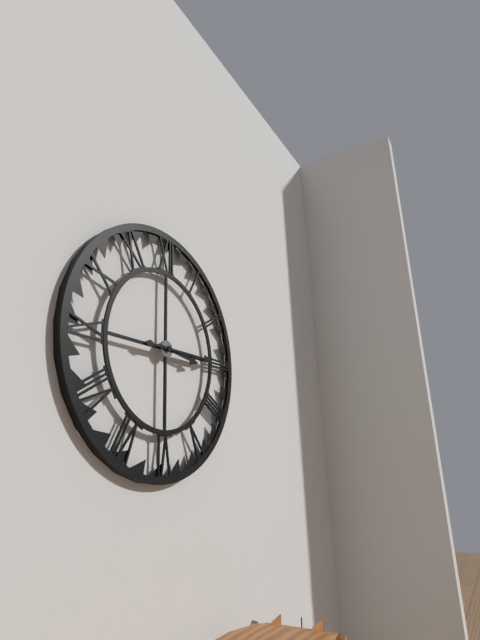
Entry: h=3 m=15
